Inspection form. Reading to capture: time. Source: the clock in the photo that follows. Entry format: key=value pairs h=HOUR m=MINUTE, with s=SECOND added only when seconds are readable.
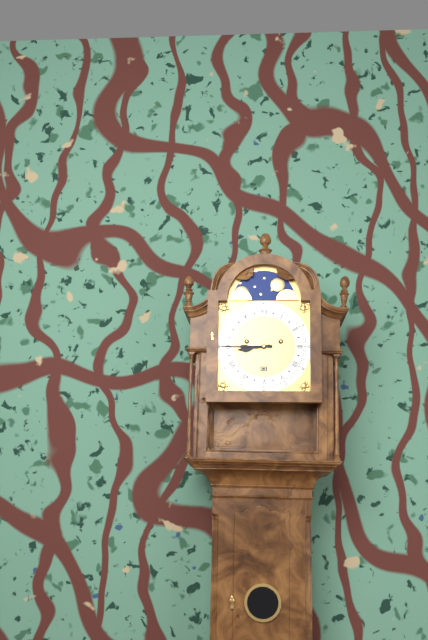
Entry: h=8 m=45
